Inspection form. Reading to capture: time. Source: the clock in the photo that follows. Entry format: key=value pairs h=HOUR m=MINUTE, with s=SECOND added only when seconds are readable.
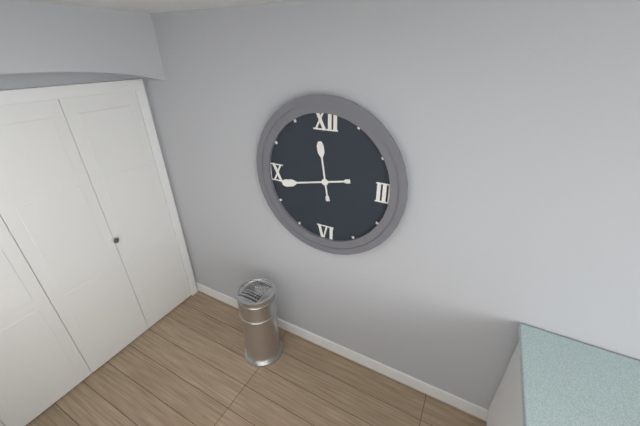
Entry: h=11 m=43
